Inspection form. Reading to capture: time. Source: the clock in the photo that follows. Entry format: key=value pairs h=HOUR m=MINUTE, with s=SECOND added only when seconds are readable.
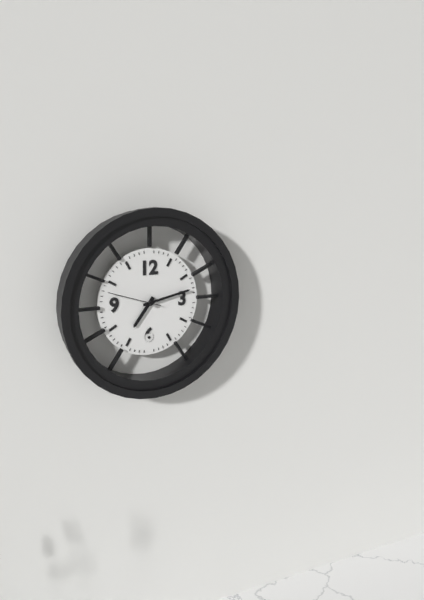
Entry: h=7 m=13 s=48
